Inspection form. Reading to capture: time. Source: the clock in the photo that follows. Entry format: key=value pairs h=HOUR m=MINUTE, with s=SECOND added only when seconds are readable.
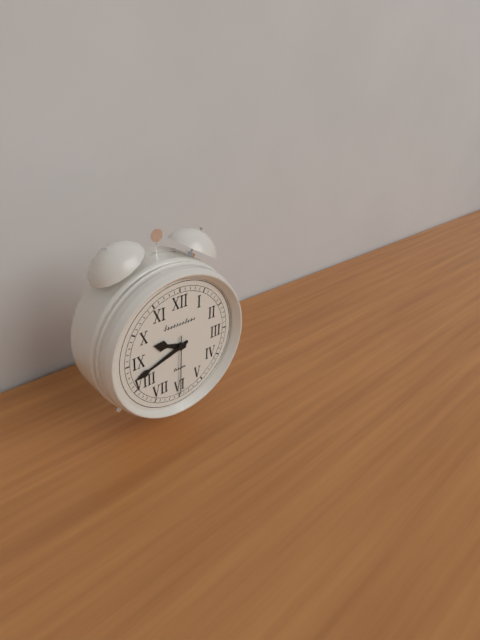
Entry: h=9 m=42 s=30
